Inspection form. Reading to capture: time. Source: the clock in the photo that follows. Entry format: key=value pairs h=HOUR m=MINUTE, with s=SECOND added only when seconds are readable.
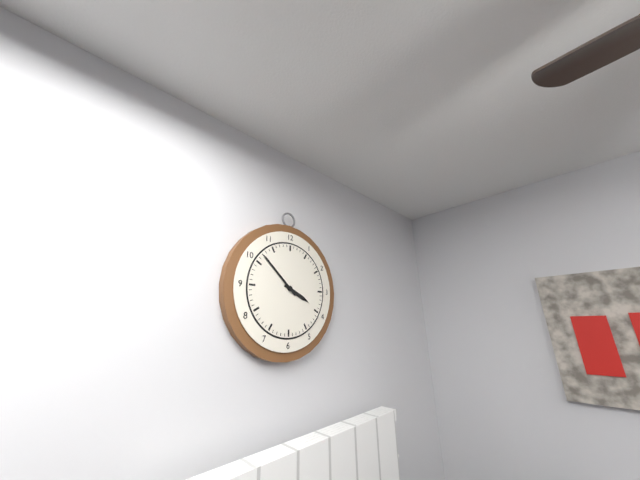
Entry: h=3 m=52
